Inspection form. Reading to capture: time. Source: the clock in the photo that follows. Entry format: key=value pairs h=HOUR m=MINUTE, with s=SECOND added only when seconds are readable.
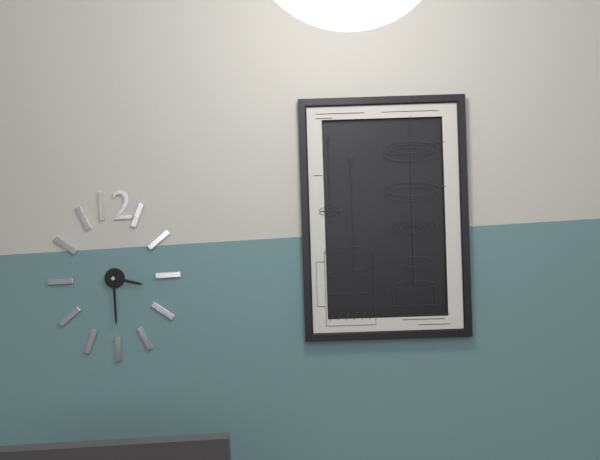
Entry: h=3 m=30
